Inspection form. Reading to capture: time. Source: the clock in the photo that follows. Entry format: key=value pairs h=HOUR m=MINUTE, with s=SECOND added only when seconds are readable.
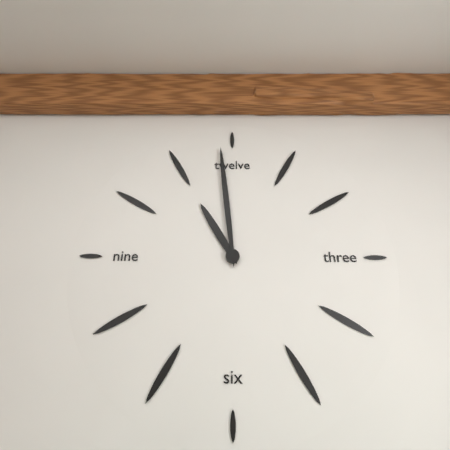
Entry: h=10 m=59
